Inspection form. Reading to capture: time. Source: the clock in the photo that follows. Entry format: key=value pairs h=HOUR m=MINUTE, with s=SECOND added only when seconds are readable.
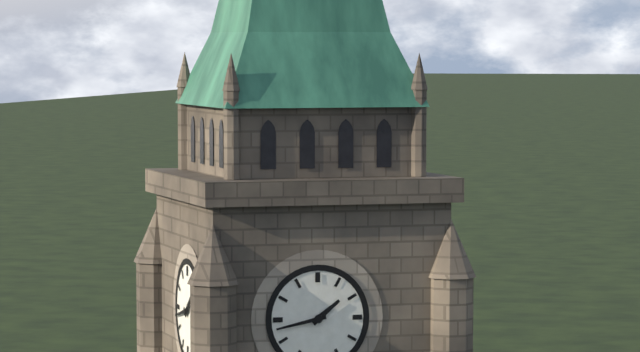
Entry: h=1 m=43
